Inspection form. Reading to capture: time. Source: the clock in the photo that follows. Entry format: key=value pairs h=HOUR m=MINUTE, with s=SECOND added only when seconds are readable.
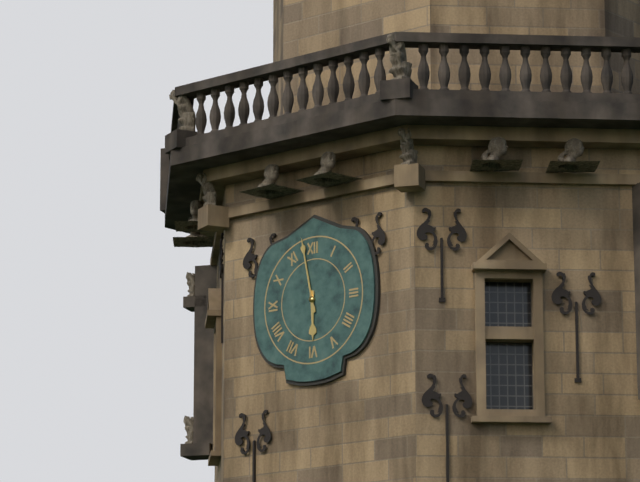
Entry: h=5 m=58
